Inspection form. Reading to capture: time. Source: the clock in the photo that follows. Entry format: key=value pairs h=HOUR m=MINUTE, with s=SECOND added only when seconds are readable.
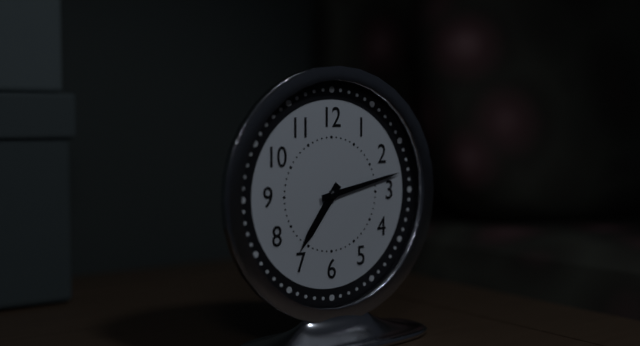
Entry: h=7 m=13
